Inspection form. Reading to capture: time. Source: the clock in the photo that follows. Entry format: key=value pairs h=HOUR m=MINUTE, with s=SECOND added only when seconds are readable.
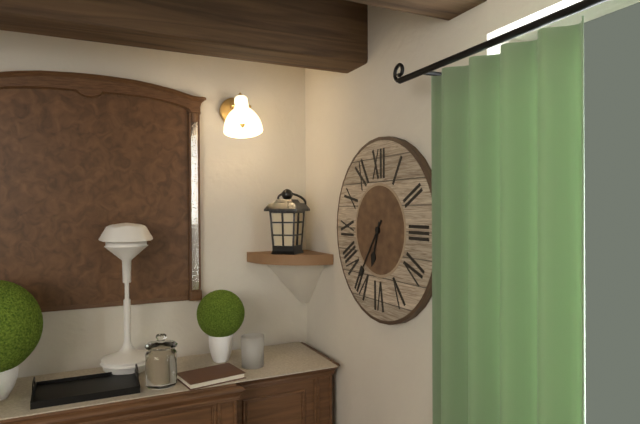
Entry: h=6 m=36
